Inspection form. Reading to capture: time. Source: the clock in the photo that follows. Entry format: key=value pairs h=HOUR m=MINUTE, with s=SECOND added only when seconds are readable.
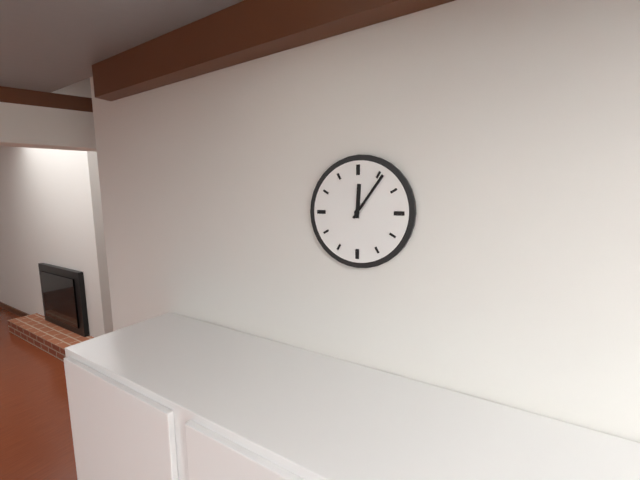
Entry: h=12 m=6
